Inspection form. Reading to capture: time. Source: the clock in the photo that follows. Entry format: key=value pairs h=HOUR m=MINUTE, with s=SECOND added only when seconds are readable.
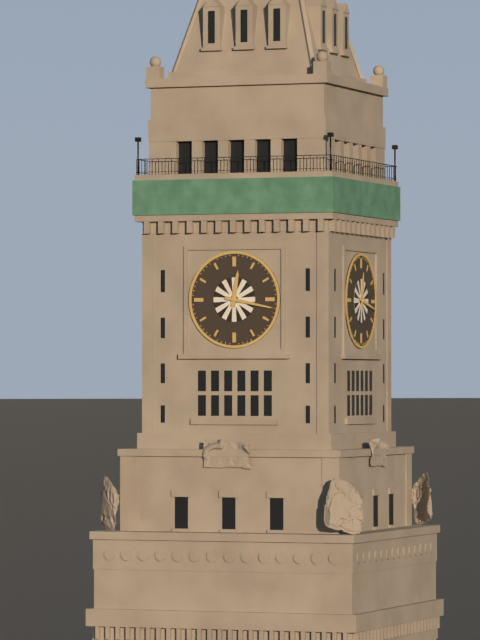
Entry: h=12 m=17
